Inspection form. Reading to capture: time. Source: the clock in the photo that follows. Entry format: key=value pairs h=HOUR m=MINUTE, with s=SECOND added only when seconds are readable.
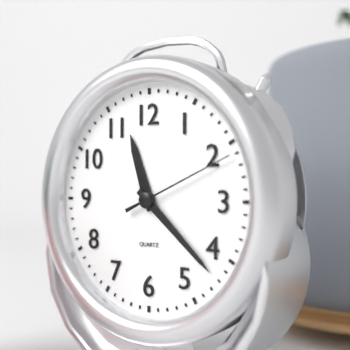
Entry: h=11 m=22 s=11
